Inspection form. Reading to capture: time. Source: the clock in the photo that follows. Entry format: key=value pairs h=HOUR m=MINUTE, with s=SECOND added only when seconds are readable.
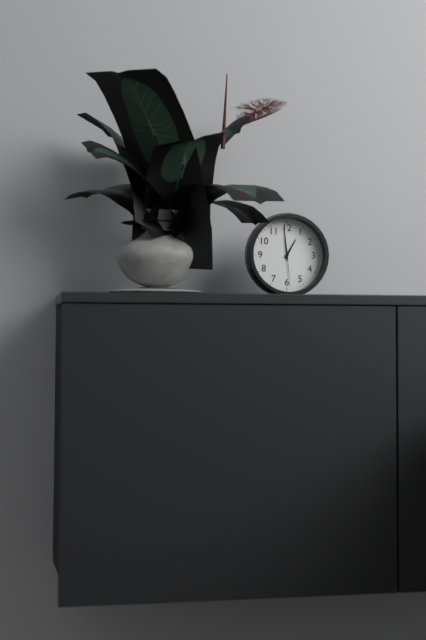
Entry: h=12 m=59
